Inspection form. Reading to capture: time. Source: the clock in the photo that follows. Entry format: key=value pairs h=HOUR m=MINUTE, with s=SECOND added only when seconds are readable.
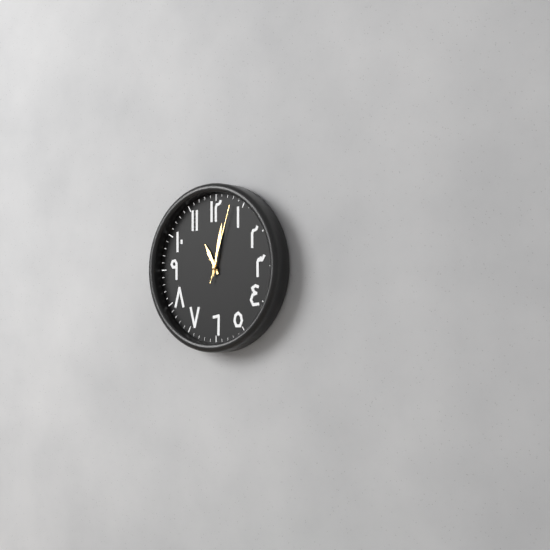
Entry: h=11 m=2 s=3
